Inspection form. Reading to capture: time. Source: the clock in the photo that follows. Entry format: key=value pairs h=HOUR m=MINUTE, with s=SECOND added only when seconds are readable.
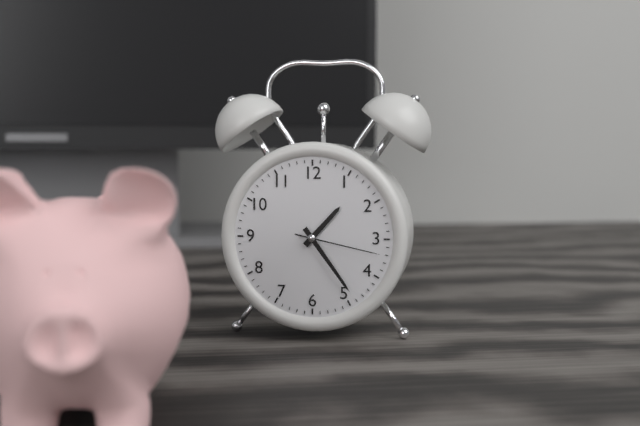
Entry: h=1 m=24 s=17
